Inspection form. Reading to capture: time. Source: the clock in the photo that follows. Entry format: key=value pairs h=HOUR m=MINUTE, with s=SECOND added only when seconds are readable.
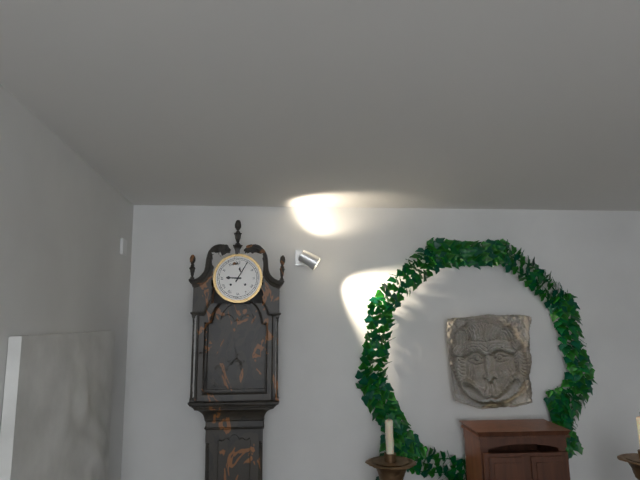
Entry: h=9 m=5
